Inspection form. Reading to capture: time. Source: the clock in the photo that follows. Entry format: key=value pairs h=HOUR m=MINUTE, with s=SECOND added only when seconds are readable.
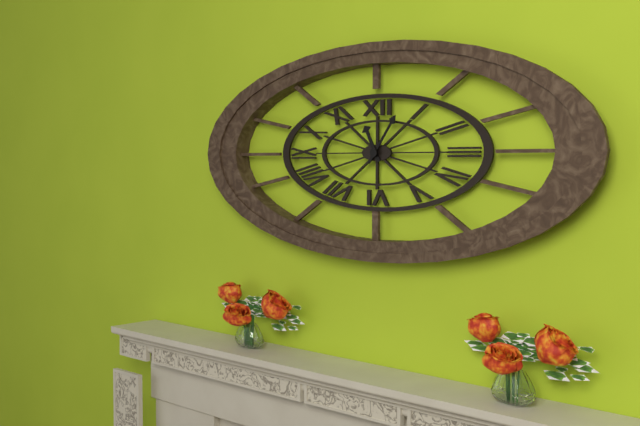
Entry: h=11 m=6
